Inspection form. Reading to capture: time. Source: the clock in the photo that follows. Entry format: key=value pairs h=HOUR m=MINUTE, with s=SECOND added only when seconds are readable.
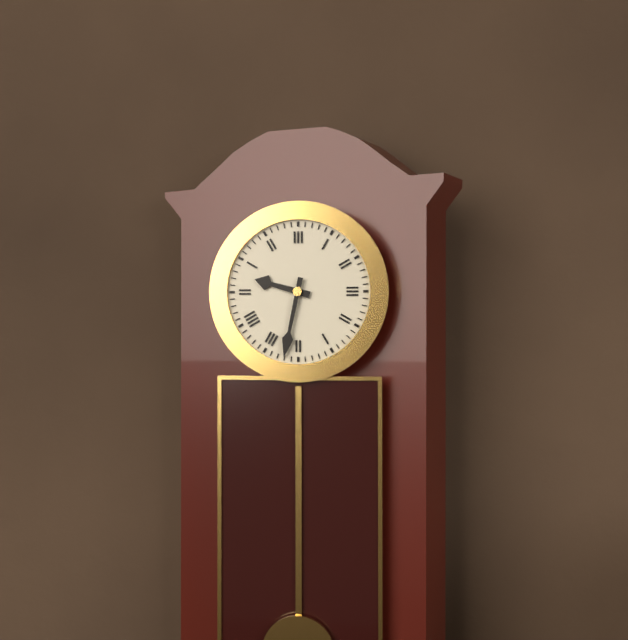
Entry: h=9 m=32
